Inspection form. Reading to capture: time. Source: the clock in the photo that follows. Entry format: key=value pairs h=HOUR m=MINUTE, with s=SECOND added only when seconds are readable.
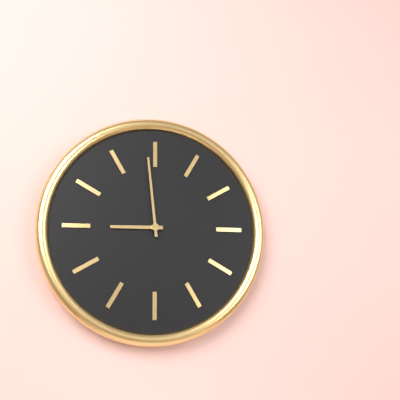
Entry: h=8 m=59
